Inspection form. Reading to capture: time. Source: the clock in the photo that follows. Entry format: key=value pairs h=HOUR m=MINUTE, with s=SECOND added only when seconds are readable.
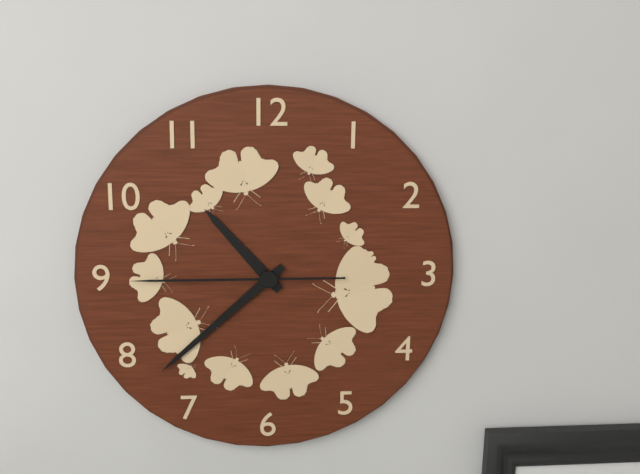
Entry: h=10 m=38 s=45
